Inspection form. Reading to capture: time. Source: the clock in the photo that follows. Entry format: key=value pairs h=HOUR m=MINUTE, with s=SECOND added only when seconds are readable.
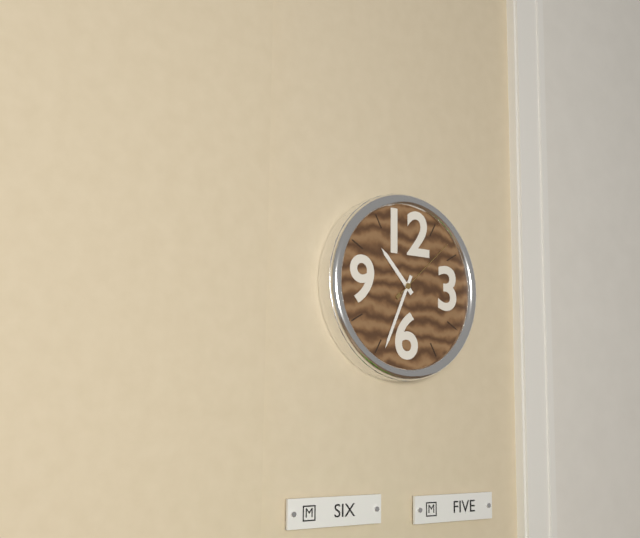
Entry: h=10 m=34 s=8
